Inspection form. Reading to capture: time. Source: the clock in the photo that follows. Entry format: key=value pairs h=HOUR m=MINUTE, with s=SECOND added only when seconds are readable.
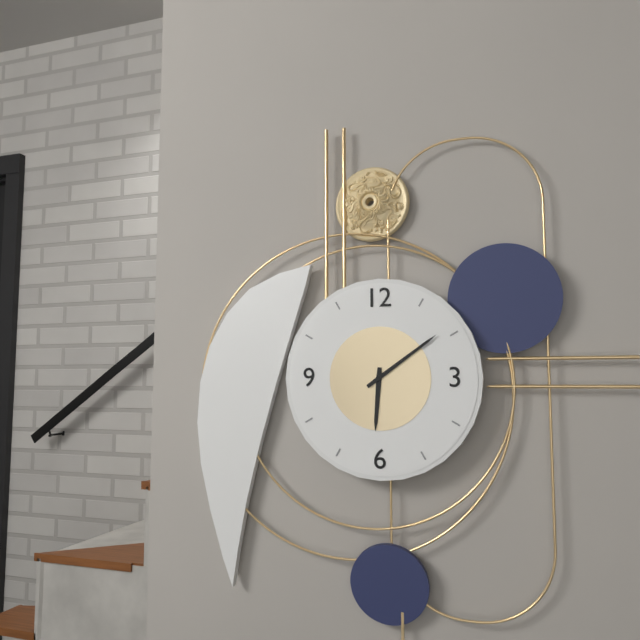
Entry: h=6 m=9
